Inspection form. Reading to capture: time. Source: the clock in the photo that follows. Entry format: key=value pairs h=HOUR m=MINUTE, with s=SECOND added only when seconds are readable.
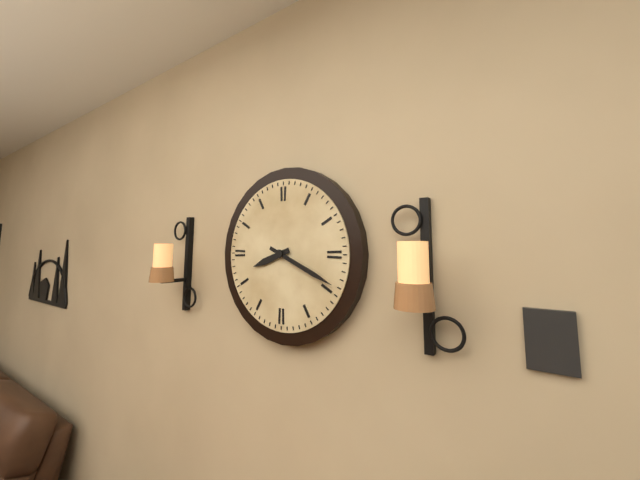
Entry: h=8 m=19
